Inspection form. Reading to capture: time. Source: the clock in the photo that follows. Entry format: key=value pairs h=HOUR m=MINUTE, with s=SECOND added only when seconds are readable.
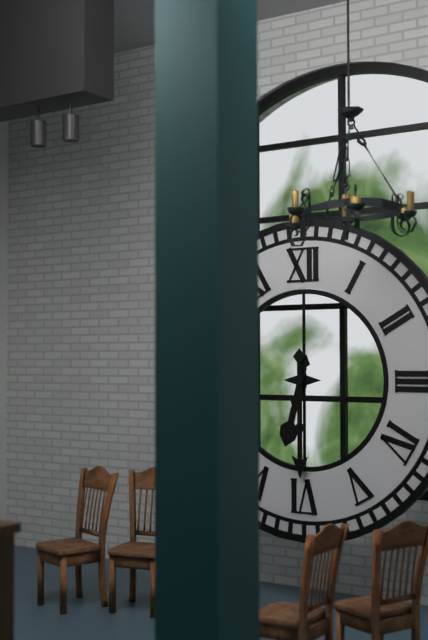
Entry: h=6 m=30
